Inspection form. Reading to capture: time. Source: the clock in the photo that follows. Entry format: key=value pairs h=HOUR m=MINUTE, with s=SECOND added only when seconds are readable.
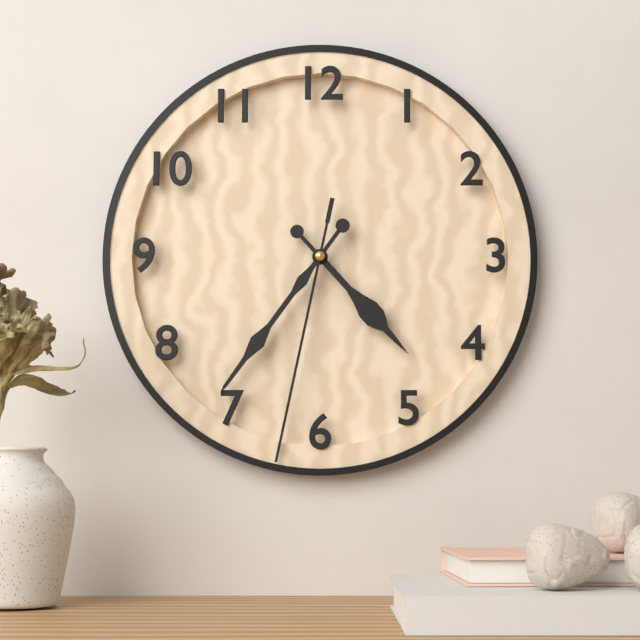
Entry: h=4 m=36 s=32
